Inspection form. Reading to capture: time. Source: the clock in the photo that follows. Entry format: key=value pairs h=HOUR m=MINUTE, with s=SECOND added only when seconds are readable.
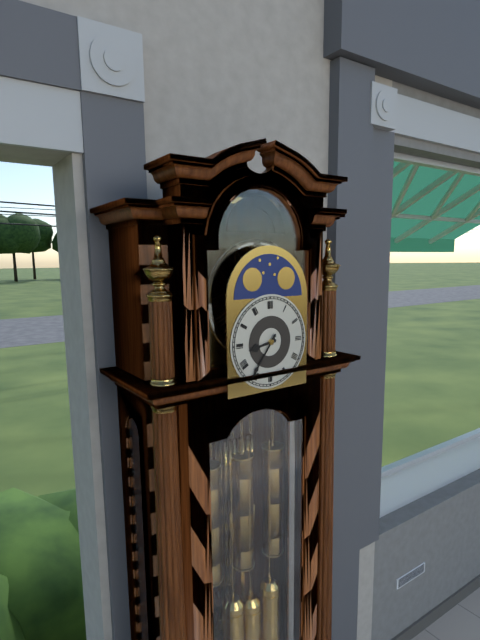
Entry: h=8 m=36
